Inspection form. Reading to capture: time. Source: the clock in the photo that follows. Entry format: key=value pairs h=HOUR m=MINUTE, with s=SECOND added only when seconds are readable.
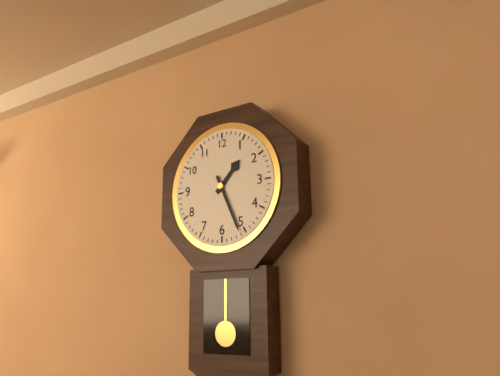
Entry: h=1 m=26
